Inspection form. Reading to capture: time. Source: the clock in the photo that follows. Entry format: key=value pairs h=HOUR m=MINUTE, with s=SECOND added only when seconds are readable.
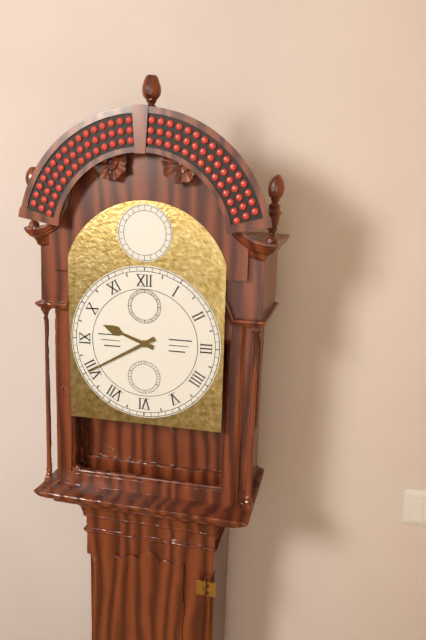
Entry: h=9 m=40
